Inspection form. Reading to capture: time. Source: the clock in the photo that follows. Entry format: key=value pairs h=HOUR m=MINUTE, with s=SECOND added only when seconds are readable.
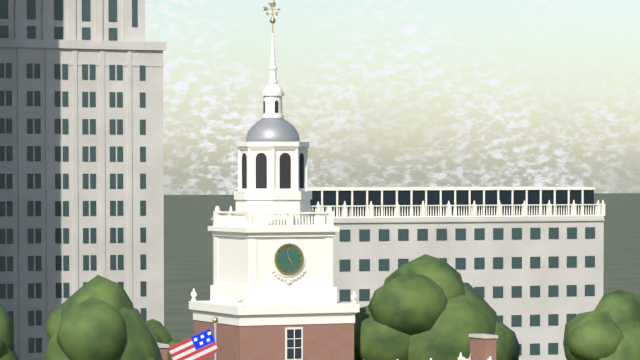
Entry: h=4 m=57
